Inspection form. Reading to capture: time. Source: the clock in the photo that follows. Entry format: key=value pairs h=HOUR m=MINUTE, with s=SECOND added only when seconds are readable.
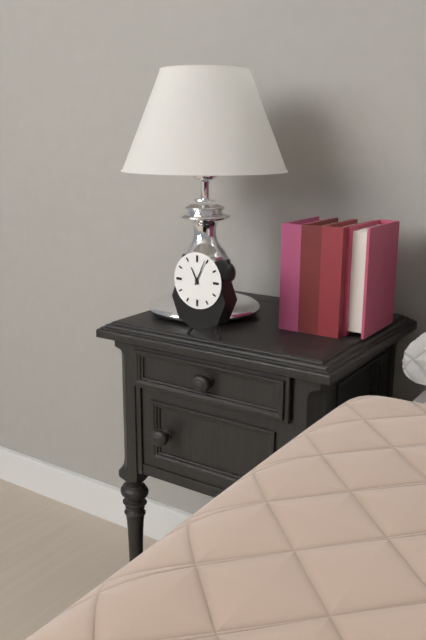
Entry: h=11 m=4
